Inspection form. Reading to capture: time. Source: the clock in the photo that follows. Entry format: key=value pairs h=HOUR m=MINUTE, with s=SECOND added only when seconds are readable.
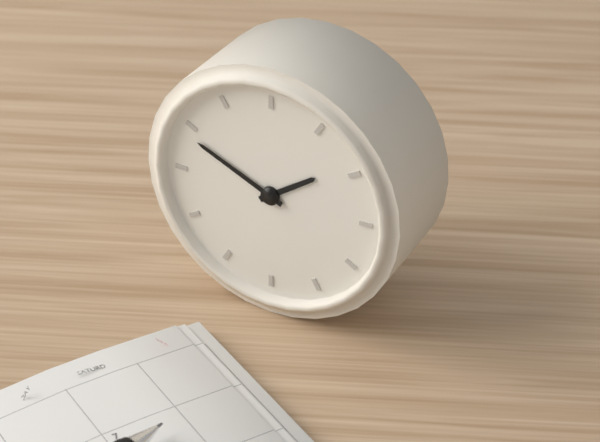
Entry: h=1 m=49
